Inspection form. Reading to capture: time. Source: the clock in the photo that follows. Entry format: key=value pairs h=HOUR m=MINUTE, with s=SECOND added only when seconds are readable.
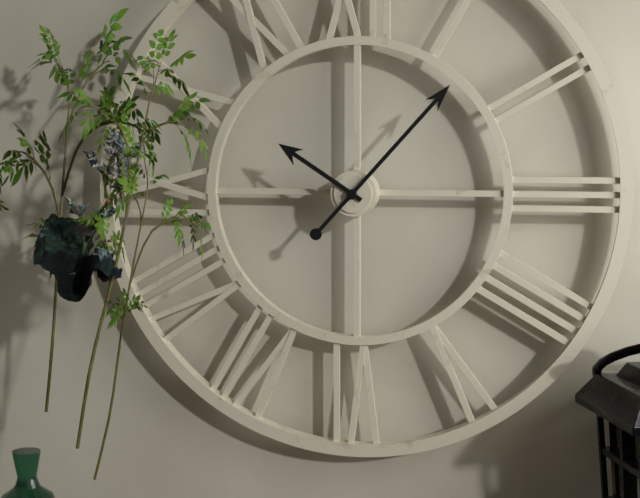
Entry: h=10 m=7
